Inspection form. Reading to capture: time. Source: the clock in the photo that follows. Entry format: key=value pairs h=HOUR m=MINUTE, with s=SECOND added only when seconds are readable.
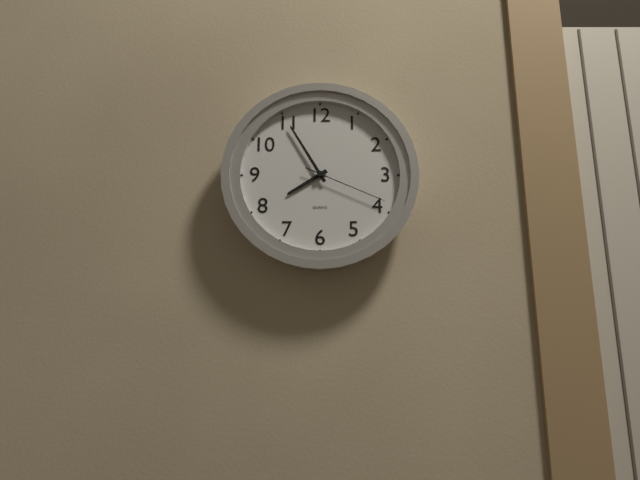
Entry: h=7 m=55 s=19
